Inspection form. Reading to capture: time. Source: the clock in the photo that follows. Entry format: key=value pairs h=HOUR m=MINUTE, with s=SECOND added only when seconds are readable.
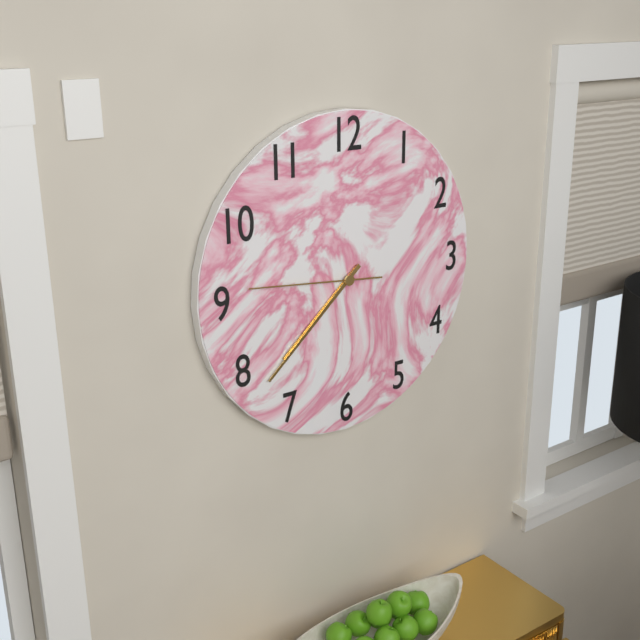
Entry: h=7 m=38 s=46
